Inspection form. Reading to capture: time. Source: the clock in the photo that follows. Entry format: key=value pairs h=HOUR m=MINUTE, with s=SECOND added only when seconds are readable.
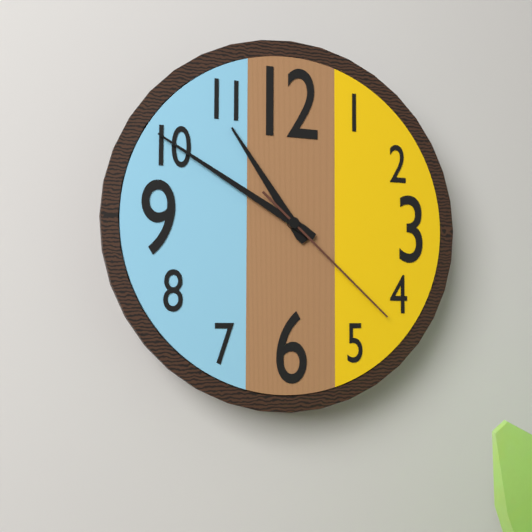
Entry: h=10 m=50 s=22
